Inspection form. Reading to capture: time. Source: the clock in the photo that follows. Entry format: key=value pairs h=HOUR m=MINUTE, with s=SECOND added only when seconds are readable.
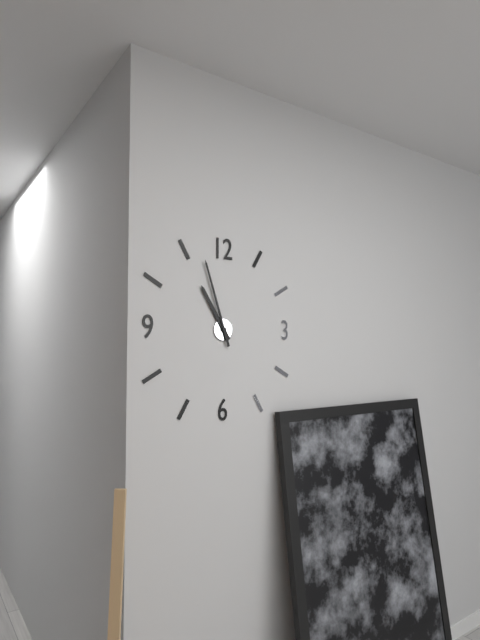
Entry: h=10 m=57
